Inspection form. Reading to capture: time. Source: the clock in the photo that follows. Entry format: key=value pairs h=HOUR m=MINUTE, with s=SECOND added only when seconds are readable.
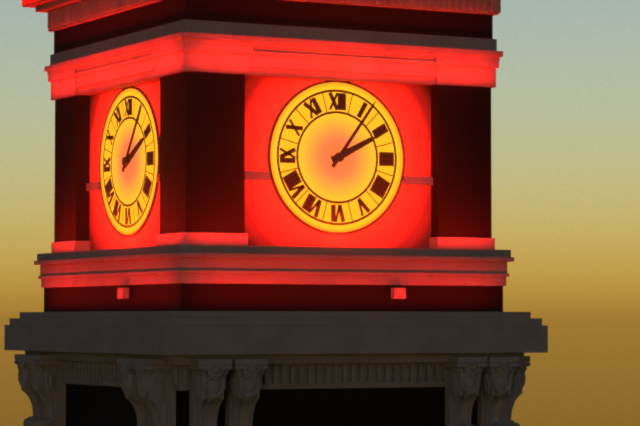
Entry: h=2 m=6
